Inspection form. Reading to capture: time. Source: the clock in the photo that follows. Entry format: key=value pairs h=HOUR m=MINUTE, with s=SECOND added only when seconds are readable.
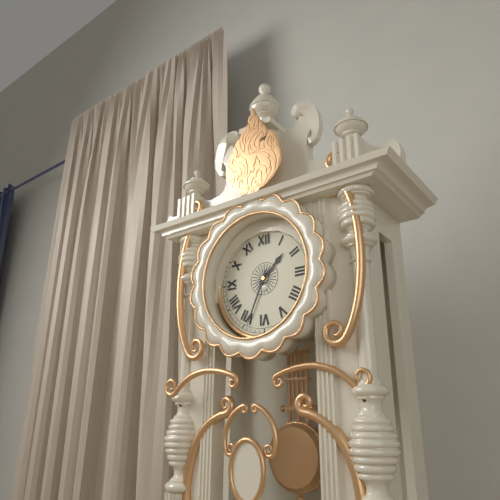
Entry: h=1 m=34
